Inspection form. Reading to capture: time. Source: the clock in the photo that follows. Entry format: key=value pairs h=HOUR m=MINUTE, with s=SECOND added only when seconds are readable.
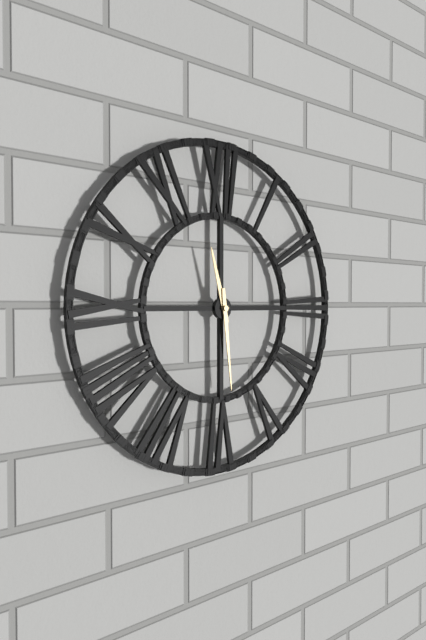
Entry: h=11 m=29
